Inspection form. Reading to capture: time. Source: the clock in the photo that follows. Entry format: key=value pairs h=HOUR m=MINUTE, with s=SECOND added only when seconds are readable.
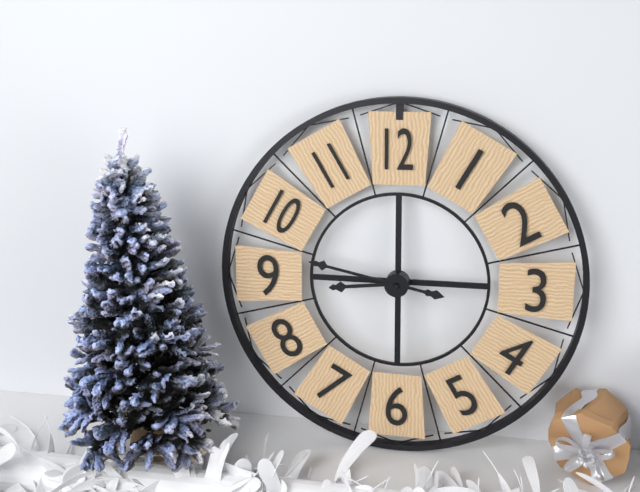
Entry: h=8 m=47
